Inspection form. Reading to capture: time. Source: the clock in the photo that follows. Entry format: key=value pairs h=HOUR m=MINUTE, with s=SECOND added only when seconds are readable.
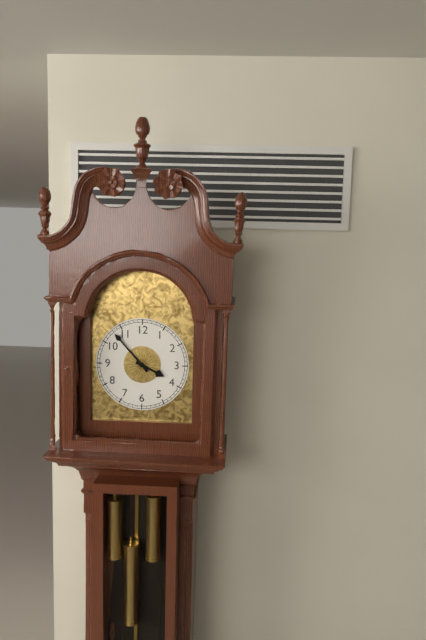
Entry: h=3 m=53
